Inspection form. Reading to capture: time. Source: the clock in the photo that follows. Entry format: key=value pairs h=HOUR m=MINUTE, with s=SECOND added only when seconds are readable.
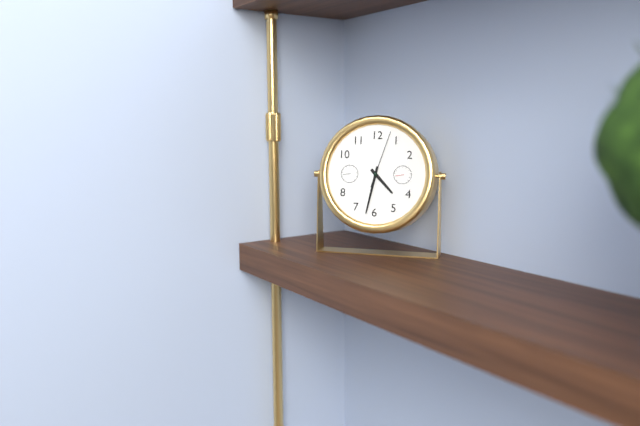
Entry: h=4 m=32 s=3
